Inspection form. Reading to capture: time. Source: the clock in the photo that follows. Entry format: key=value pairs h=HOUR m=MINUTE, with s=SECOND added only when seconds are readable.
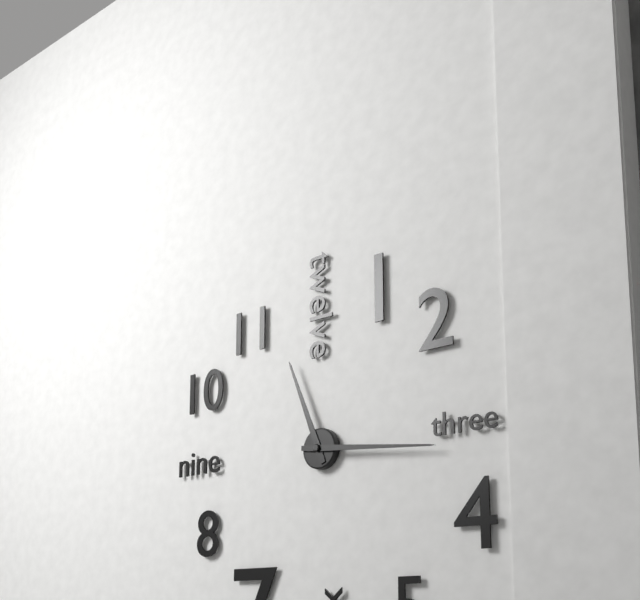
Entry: h=11 m=16
